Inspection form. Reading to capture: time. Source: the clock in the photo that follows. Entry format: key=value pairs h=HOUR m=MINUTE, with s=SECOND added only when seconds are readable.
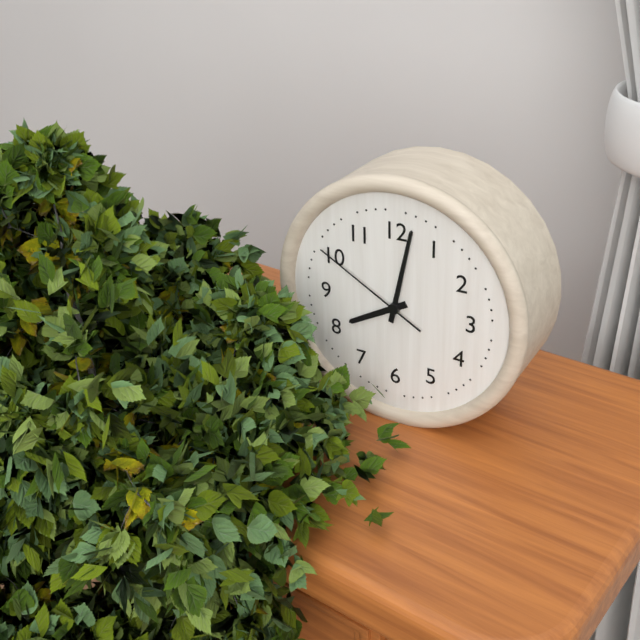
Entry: h=8 m=2 s=50
